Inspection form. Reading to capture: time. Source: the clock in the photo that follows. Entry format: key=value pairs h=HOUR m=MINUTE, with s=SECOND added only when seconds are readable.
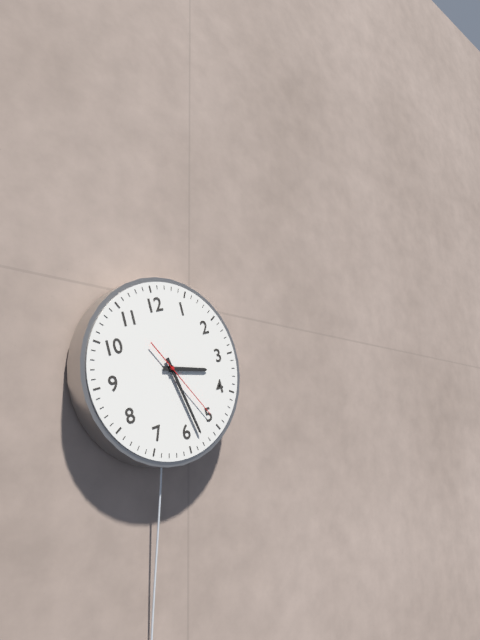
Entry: h=3 m=28 s=25
